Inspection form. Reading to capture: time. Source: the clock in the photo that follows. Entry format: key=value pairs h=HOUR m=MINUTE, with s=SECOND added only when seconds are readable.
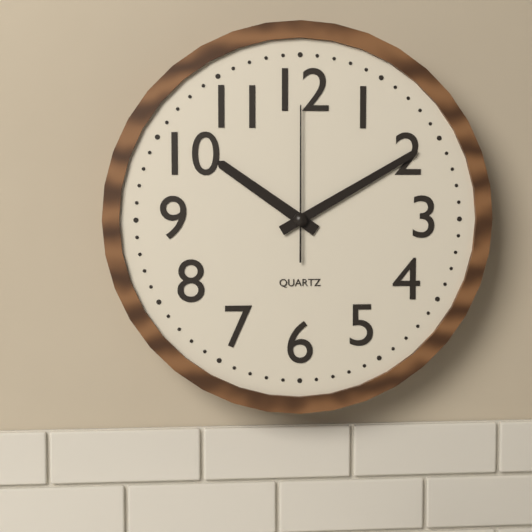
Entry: h=10 m=10 s=0
